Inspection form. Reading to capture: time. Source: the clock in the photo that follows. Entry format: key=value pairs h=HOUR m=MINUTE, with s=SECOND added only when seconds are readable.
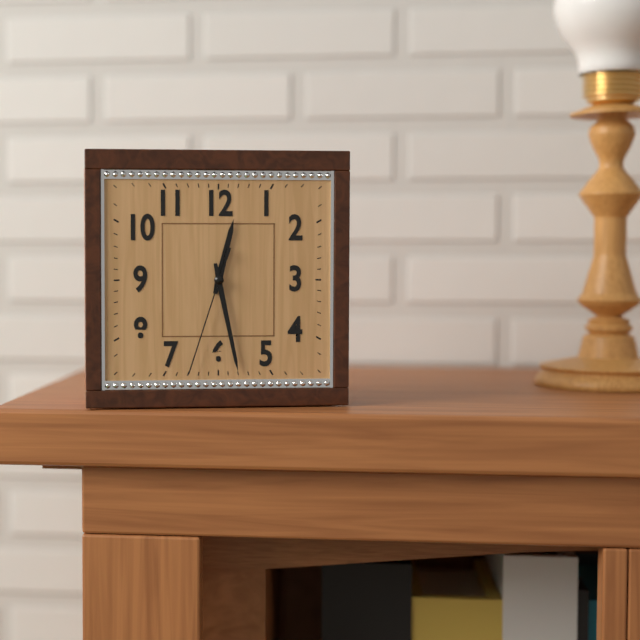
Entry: h=12 m=28 s=33
